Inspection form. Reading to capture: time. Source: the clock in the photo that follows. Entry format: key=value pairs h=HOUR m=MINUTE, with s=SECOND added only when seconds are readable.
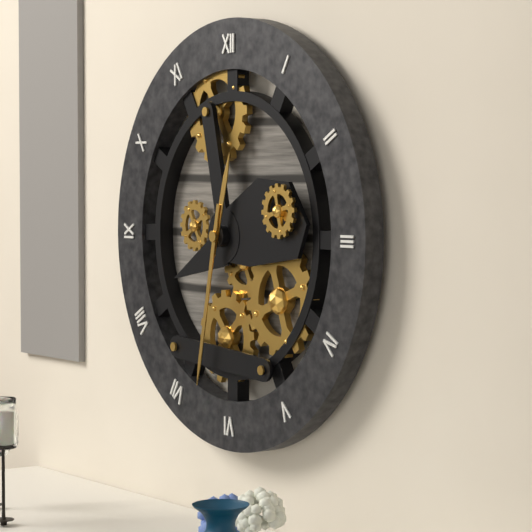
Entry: h=12 m=32
